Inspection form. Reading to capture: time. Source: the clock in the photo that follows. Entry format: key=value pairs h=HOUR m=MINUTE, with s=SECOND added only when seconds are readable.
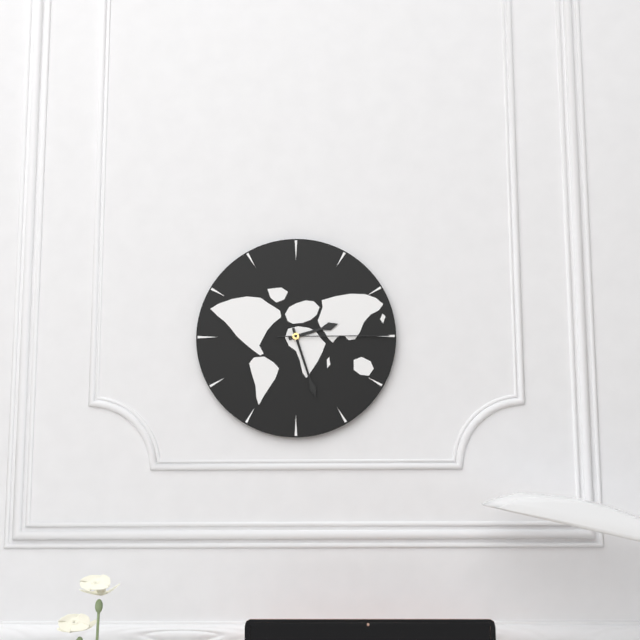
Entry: h=2 m=27 s=15
